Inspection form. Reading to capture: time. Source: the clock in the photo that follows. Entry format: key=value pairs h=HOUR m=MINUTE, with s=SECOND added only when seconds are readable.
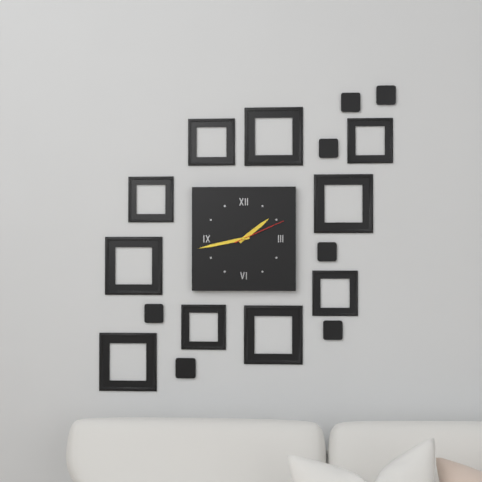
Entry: h=1 m=43 s=11
